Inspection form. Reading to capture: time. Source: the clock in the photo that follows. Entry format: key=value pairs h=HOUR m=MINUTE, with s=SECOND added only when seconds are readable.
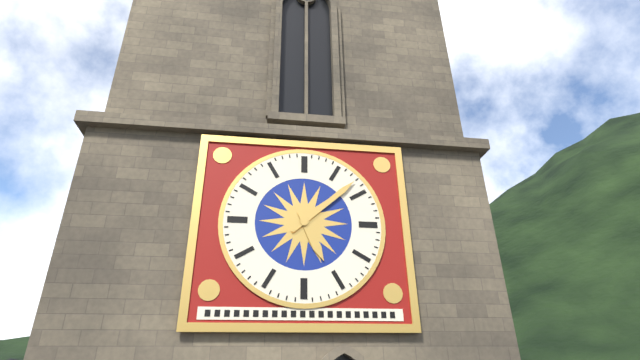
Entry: h=5 m=8
